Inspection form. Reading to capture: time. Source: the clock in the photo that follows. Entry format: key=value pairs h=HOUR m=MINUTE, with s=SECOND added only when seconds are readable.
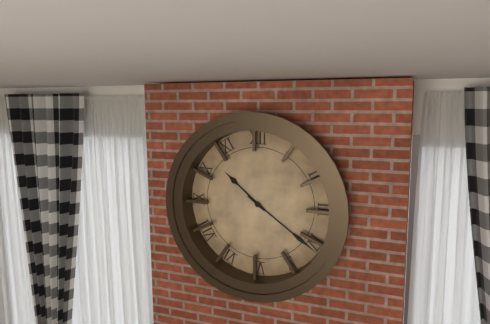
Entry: h=10 m=21
